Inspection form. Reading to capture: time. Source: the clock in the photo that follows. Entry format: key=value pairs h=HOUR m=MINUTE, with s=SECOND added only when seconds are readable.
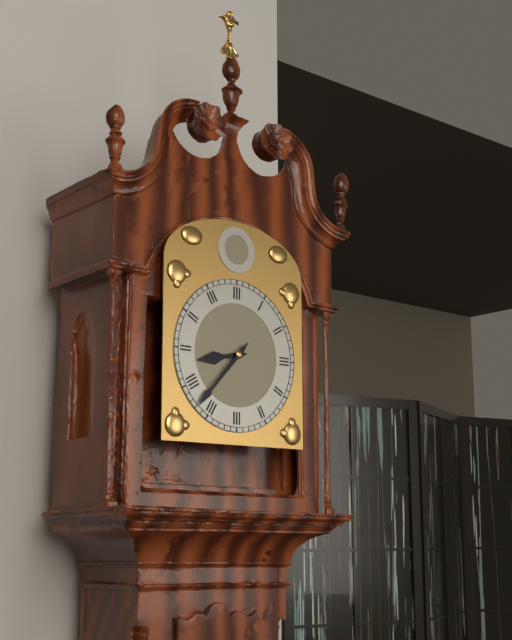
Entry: h=8 m=37
